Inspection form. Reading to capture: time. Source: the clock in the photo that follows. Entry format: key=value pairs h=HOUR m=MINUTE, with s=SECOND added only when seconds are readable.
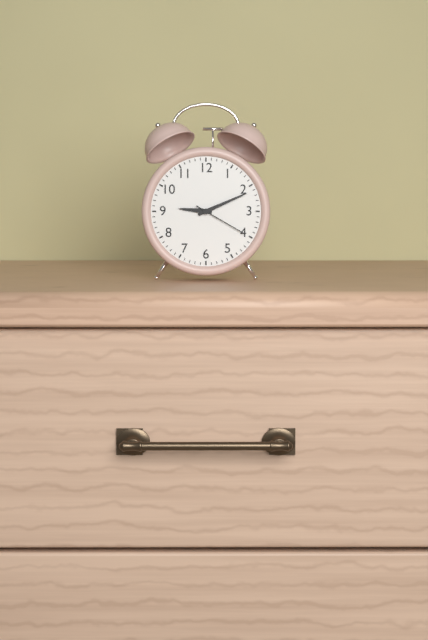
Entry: h=9 m=11 s=20
